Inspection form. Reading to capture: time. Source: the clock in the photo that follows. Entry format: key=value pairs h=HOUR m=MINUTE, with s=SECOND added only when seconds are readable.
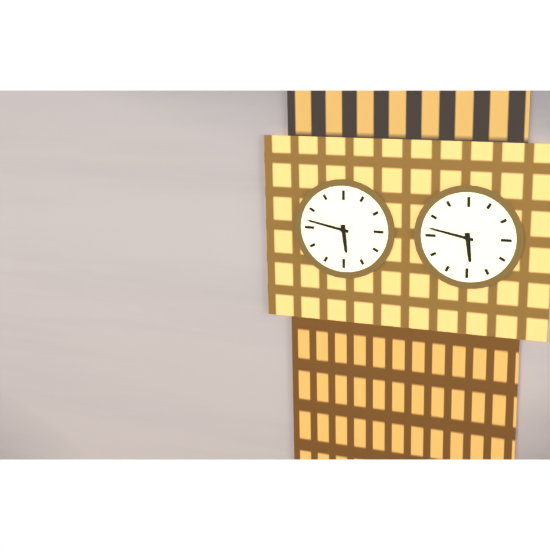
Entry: h=5 m=47
